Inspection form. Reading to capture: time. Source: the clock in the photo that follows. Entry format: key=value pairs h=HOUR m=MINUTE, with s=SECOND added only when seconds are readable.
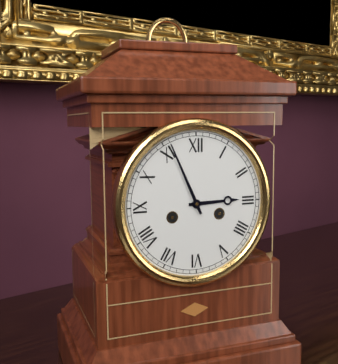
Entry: h=2 m=56
